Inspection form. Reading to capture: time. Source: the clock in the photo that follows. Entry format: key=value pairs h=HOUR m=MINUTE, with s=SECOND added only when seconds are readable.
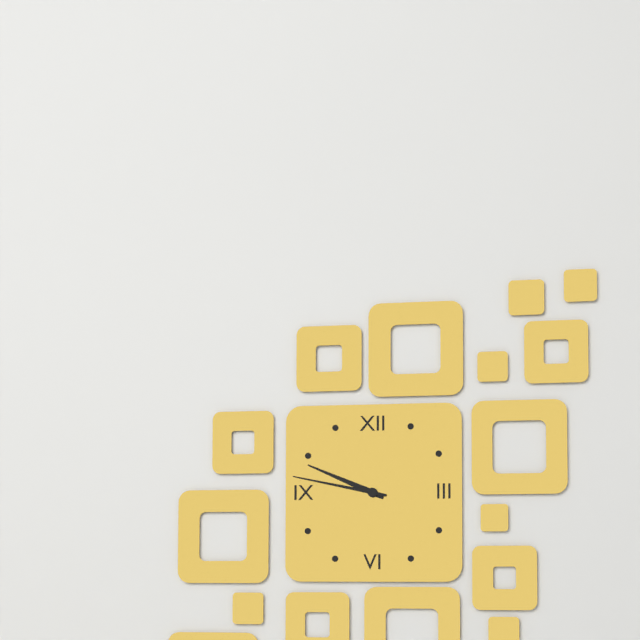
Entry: h=9 m=47
